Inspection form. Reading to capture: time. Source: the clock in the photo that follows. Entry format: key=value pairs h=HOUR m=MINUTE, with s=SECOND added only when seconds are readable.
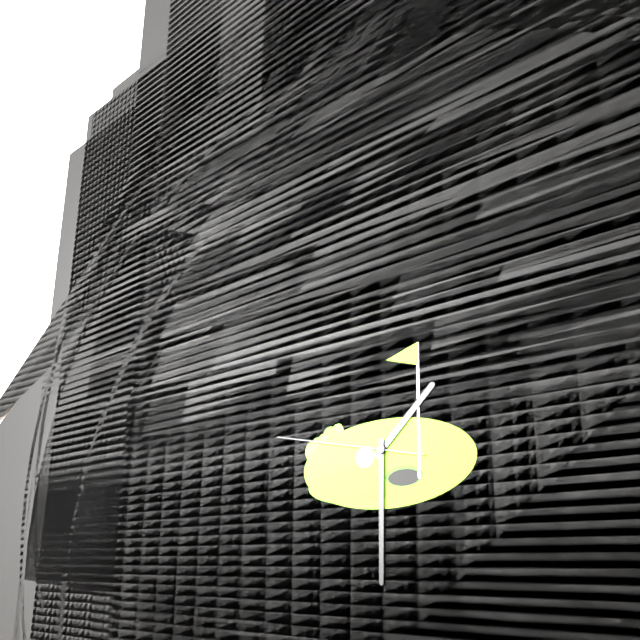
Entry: h=1 m=30 s=47
